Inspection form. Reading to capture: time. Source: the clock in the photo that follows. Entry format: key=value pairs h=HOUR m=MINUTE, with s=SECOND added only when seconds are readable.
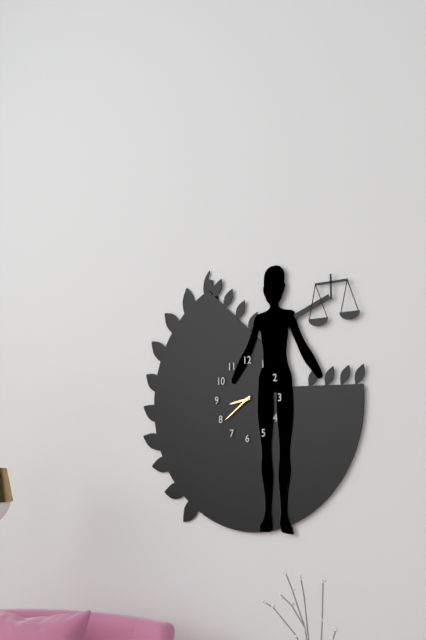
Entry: h=8 m=39
